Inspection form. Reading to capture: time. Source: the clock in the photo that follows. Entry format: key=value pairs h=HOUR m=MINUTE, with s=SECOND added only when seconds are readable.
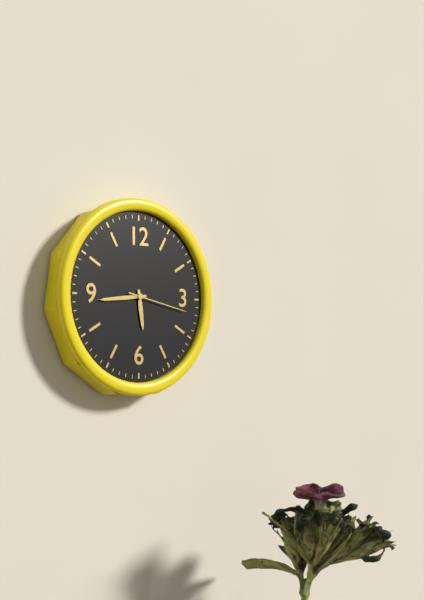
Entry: h=5 m=44 s=17
